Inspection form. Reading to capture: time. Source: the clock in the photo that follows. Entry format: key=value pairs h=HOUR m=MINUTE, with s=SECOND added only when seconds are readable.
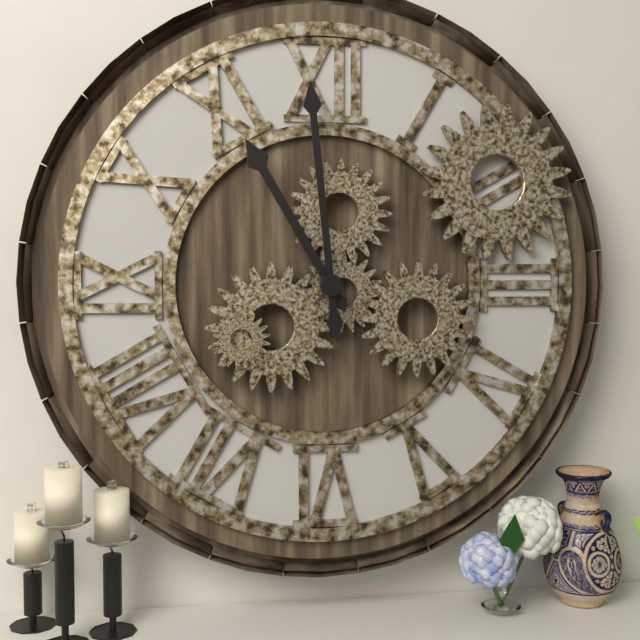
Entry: h=10 m=59
